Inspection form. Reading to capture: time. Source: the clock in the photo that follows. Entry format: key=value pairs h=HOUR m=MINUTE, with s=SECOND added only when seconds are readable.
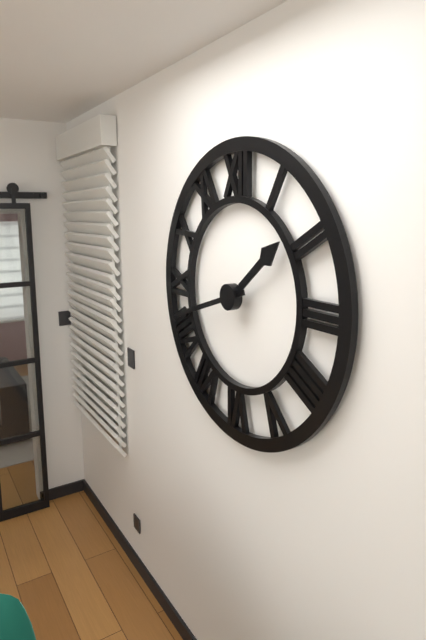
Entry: h=1 m=42
